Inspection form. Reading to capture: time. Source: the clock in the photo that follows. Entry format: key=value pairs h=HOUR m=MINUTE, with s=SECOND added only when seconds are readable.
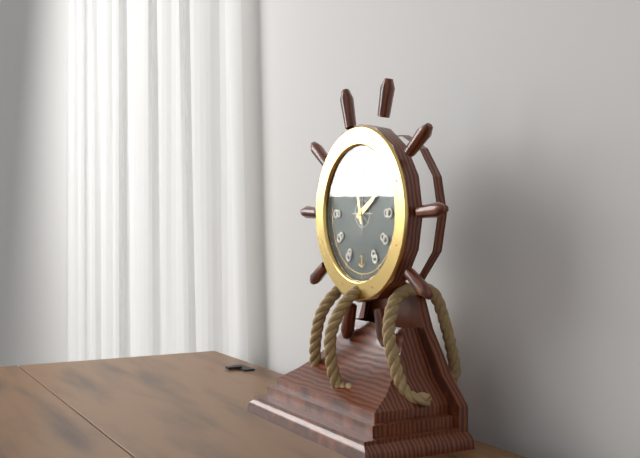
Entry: h=1 m=58
